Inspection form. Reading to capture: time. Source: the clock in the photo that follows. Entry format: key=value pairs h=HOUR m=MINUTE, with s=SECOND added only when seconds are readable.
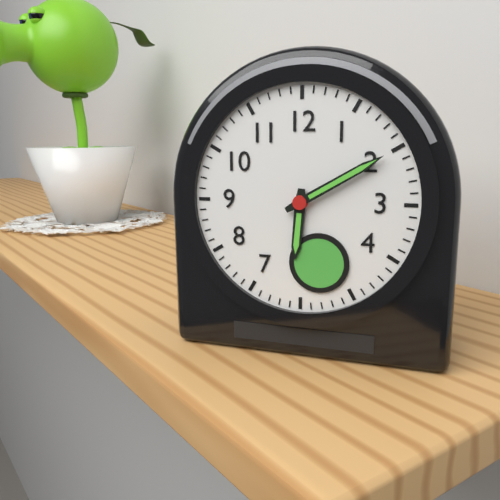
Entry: h=6 m=10
